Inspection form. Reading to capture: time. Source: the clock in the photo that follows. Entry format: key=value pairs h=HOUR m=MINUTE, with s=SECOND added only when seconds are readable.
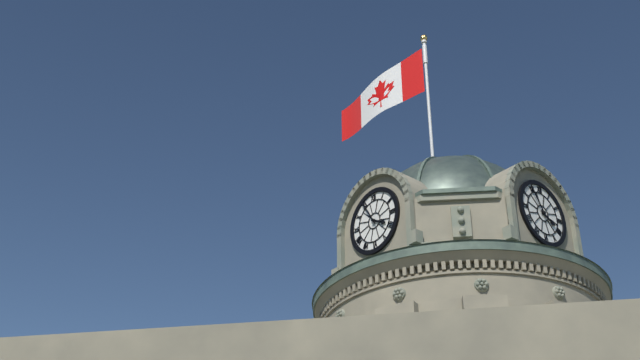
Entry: h=3 m=55
